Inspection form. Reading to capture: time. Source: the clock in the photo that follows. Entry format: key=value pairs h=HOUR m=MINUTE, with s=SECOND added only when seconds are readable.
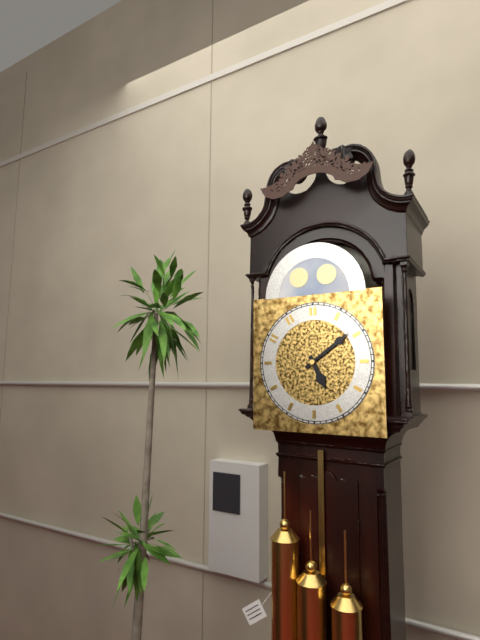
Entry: h=5 m=9
